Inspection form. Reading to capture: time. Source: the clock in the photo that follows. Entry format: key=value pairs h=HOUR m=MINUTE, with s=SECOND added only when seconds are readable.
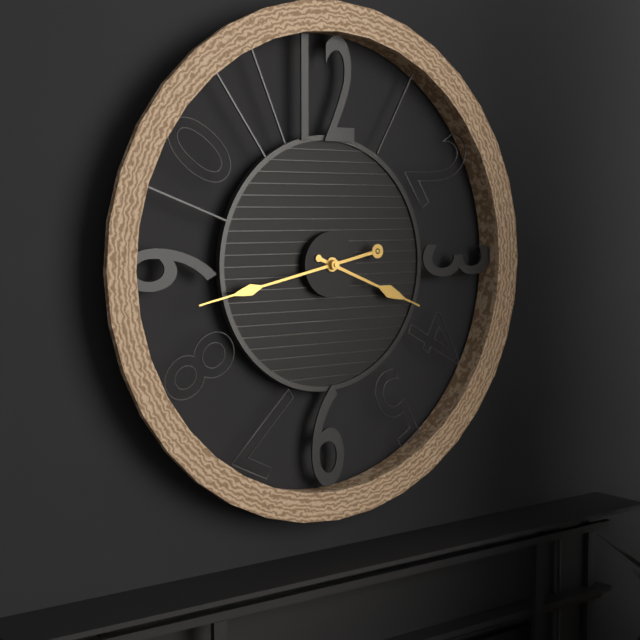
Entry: h=3 m=43
